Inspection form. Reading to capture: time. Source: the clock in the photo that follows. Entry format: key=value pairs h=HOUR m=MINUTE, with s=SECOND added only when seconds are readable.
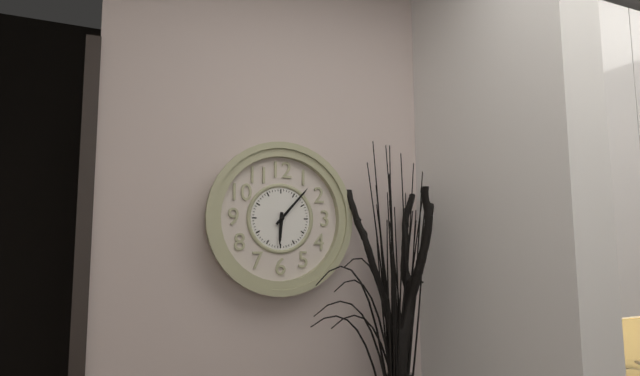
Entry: h=6 m=7
